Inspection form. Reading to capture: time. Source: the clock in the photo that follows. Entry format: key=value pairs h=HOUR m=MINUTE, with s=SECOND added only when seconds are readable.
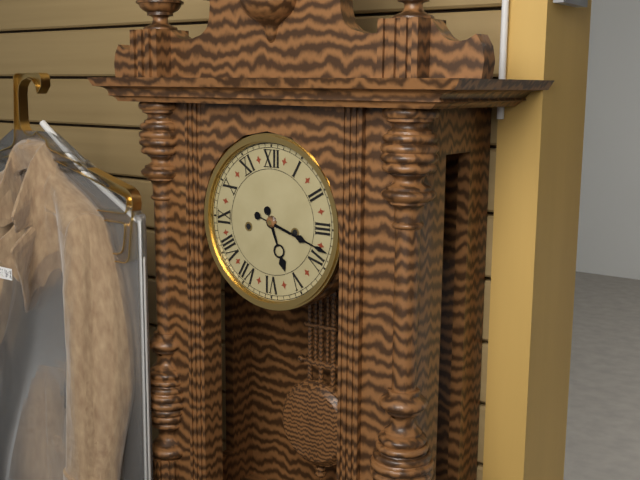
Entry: h=5 m=18
